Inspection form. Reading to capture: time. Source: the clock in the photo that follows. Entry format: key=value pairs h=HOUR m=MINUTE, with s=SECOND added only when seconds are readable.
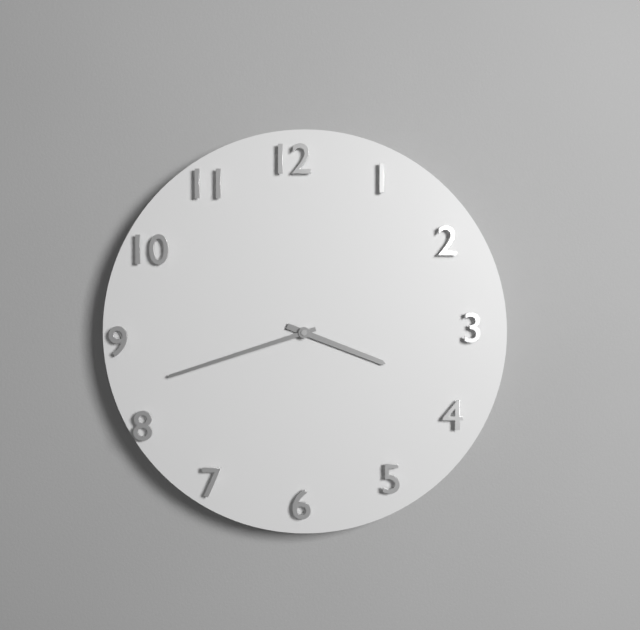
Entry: h=3 m=42
